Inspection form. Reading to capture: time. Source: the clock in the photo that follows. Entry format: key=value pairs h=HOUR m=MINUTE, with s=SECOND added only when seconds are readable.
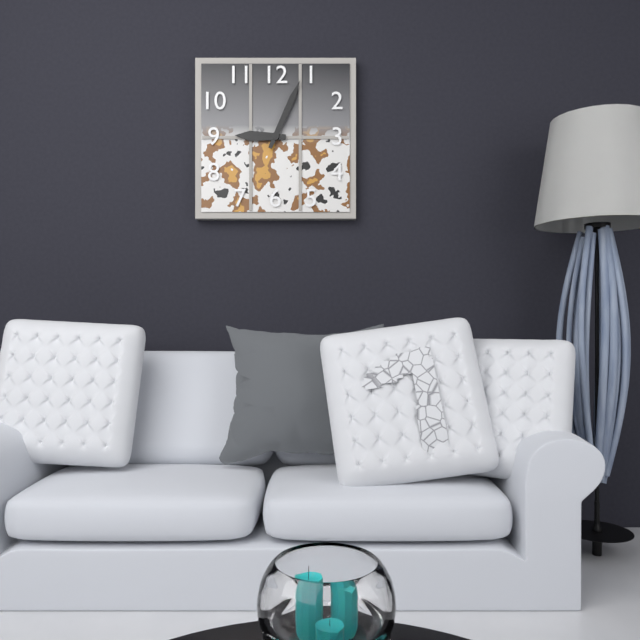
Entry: h=9 m=4
